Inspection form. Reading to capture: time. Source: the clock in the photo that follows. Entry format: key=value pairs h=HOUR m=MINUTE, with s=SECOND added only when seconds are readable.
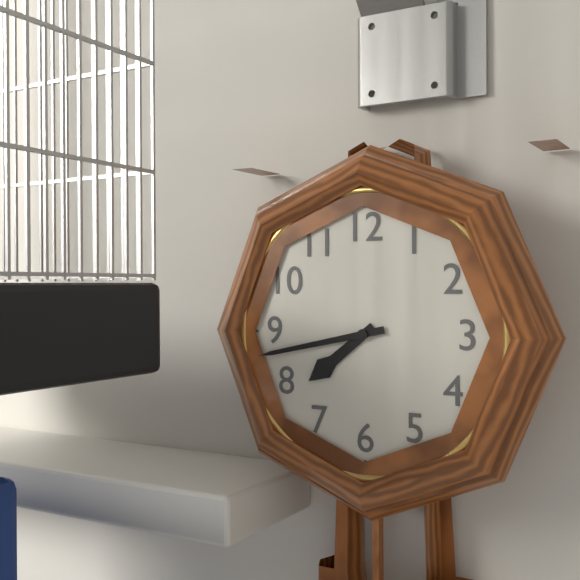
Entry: h=7 m=43
